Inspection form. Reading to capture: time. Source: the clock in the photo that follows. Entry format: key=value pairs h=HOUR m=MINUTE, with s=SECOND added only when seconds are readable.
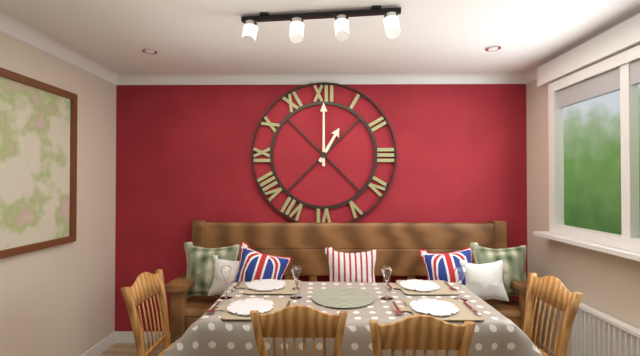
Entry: h=1 m=0
